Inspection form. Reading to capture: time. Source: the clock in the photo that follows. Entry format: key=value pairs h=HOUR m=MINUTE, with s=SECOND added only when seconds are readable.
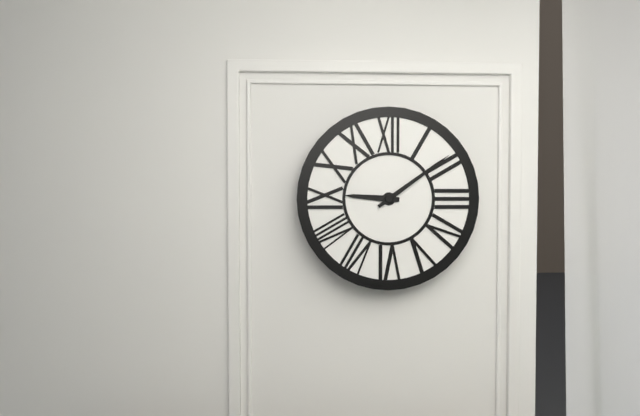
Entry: h=9 m=9
